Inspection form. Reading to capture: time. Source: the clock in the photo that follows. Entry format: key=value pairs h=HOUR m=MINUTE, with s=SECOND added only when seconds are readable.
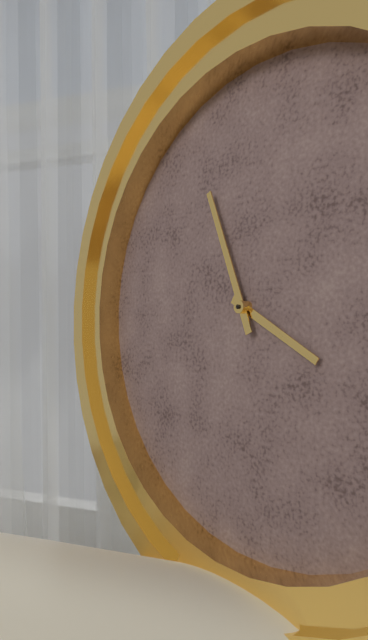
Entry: h=3 m=56
